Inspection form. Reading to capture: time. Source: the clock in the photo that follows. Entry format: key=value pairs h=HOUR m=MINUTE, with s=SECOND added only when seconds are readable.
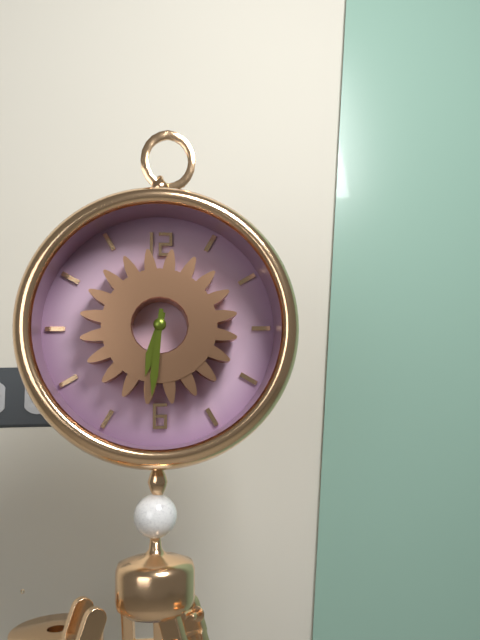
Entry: h=6 m=31
